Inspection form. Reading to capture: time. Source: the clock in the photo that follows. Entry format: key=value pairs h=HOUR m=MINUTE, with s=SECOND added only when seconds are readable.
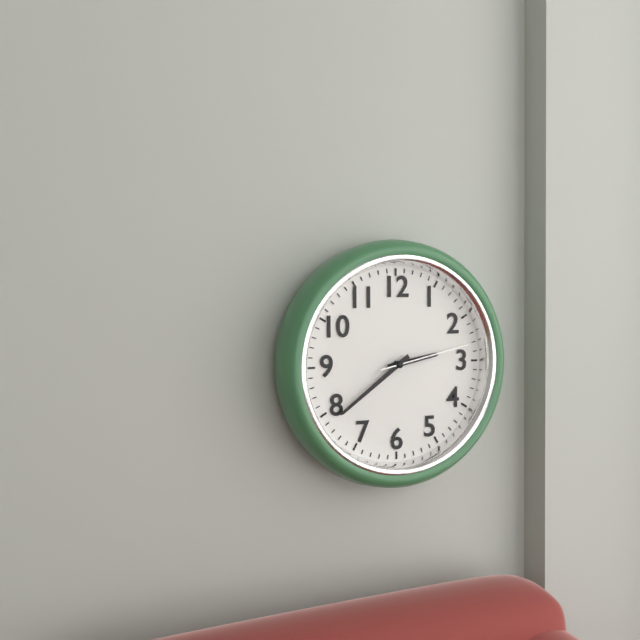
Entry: h=2 m=39 s=13
